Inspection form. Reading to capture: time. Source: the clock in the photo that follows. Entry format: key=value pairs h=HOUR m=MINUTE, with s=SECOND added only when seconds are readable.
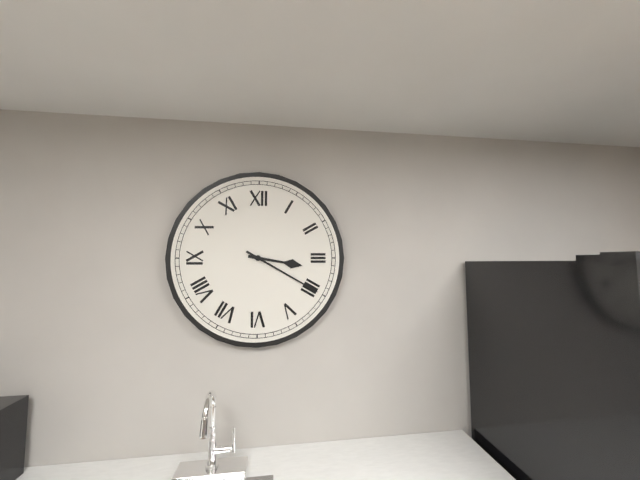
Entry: h=3 m=20
